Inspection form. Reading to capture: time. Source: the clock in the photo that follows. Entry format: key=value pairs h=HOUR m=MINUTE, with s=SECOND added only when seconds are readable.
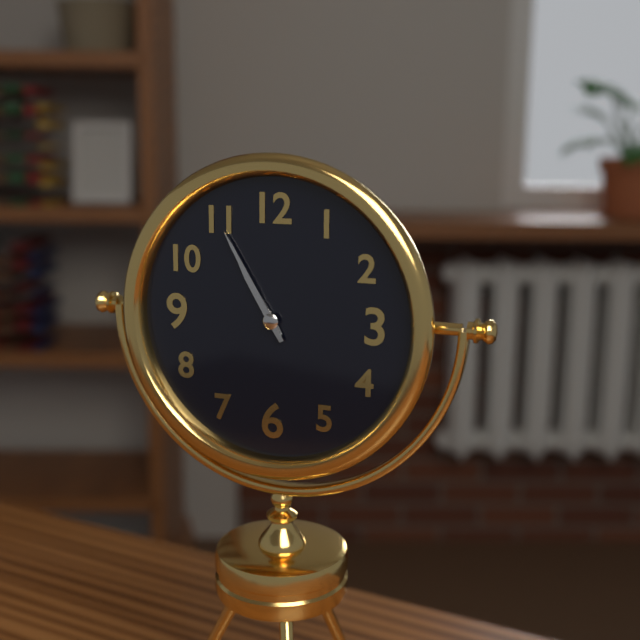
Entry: h=10 m=55
